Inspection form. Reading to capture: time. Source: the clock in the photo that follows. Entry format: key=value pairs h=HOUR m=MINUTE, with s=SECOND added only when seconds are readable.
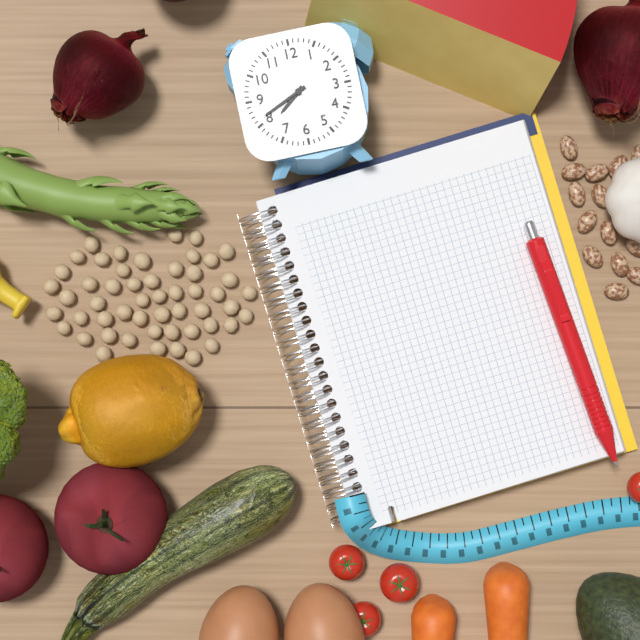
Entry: h=7 m=41
